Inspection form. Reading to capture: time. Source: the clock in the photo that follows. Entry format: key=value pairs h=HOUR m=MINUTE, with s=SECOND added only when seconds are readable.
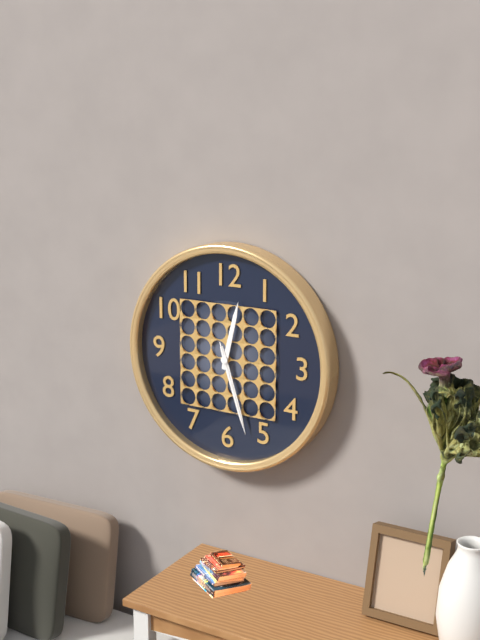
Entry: h=12 m=27 s=27
